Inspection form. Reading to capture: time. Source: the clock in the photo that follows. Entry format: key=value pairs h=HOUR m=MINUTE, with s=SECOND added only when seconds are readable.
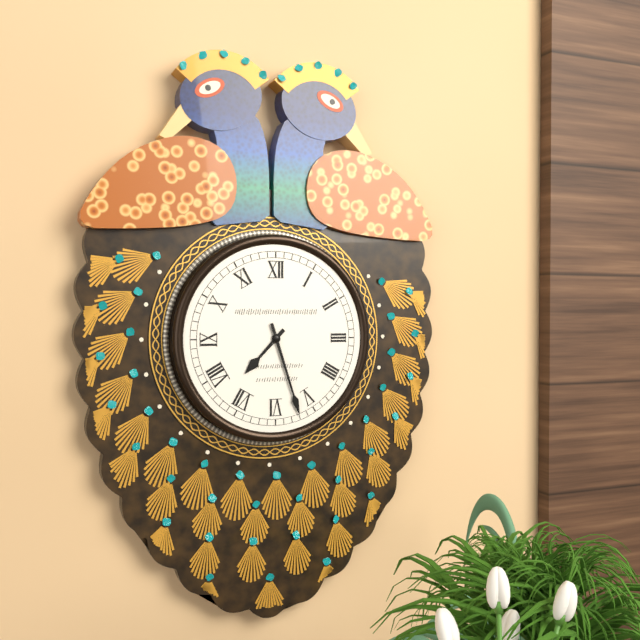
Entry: h=7 m=27
